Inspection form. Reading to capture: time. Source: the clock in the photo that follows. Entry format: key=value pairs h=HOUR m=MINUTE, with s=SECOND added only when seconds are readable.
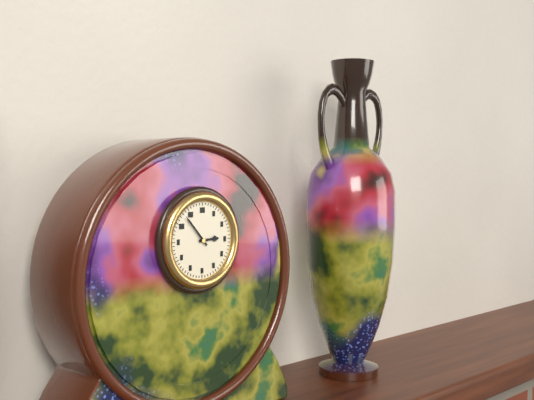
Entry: h=2 m=53
